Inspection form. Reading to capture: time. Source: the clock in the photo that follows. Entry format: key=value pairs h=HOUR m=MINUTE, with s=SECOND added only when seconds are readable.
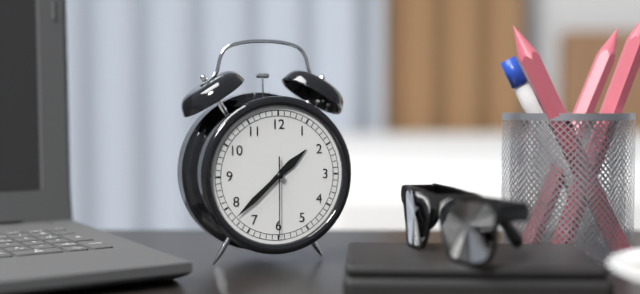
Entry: h=1 m=38 s=30
